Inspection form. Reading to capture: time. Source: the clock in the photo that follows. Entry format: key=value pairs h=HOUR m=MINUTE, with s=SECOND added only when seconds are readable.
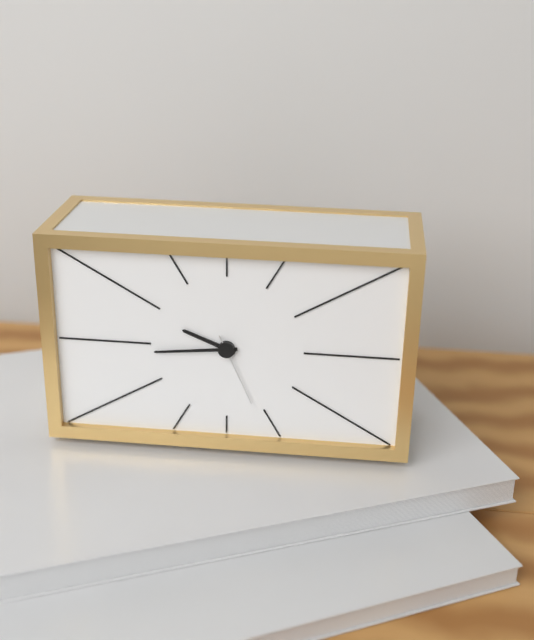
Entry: h=9 m=44 s=26
